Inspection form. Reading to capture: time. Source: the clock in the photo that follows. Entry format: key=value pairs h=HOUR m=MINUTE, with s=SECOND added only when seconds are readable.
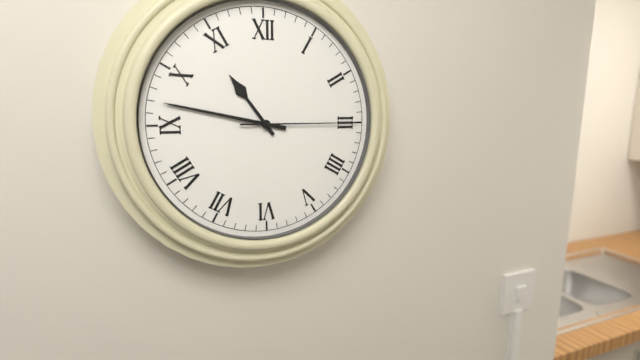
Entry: h=10 m=47 s=15
